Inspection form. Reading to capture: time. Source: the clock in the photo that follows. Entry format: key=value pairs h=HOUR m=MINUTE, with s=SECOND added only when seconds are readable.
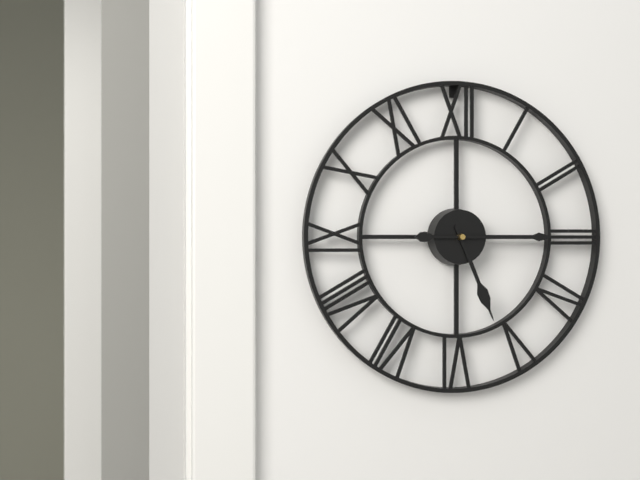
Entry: h=5 m=15
